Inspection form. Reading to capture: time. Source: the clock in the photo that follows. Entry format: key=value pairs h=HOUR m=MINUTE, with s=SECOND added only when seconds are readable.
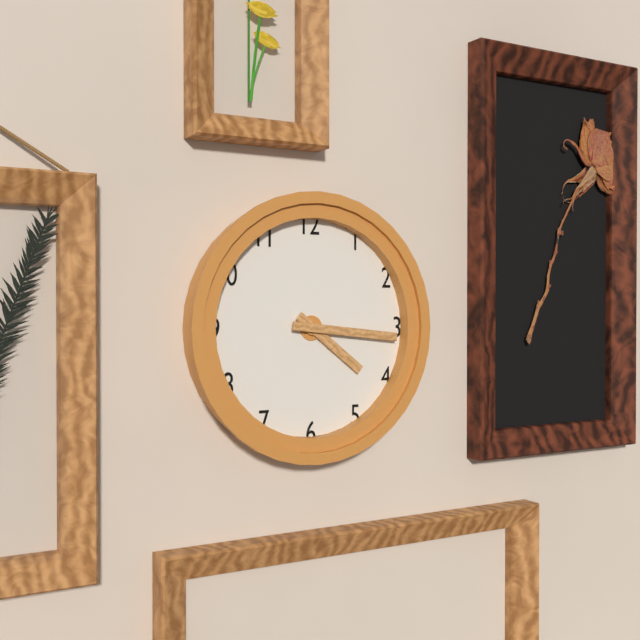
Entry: h=4 m=16
